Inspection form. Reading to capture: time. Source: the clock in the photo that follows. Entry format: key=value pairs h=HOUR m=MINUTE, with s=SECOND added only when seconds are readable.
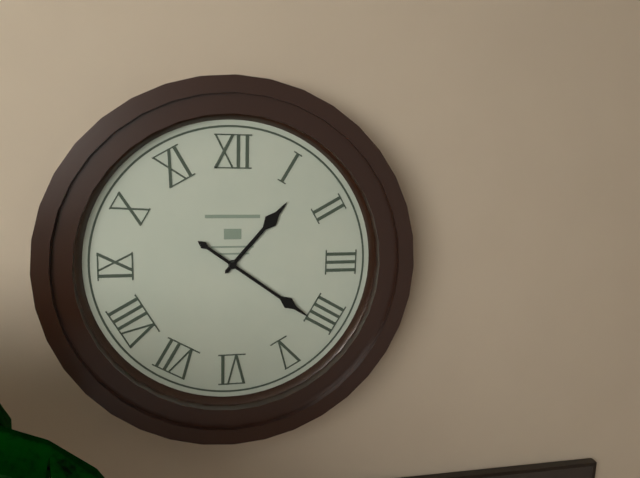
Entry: h=1 m=21
